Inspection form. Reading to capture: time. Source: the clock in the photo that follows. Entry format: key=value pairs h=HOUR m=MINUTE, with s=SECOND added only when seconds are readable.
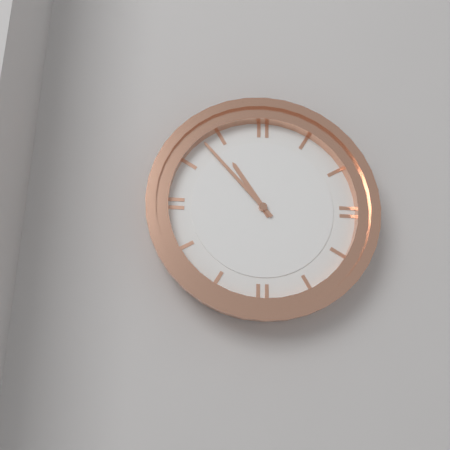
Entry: h=10 m=53
